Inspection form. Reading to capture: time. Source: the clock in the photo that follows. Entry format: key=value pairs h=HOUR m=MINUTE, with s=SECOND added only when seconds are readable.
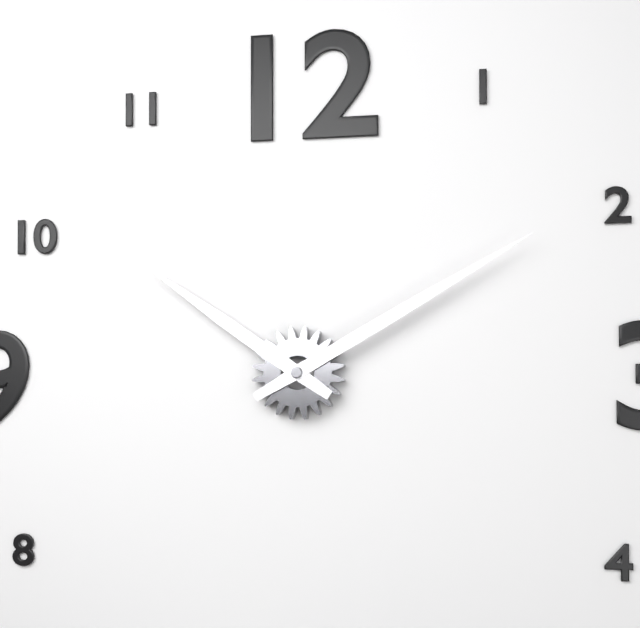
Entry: h=10 m=10
